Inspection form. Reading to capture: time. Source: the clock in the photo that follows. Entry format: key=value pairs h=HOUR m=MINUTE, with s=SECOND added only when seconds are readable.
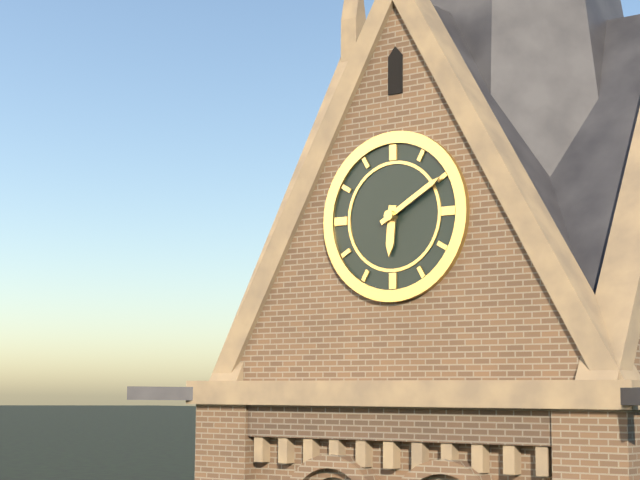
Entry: h=6 m=10
